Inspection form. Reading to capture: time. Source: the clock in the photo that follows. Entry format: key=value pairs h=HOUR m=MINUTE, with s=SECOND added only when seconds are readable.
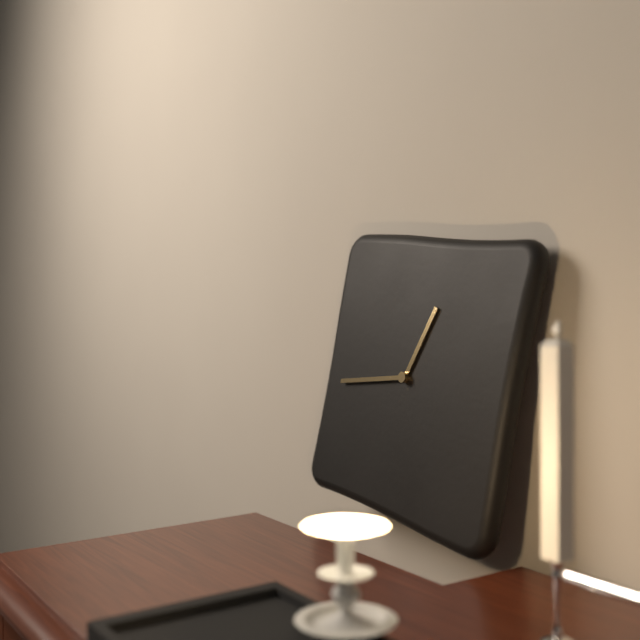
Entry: h=12 m=43
